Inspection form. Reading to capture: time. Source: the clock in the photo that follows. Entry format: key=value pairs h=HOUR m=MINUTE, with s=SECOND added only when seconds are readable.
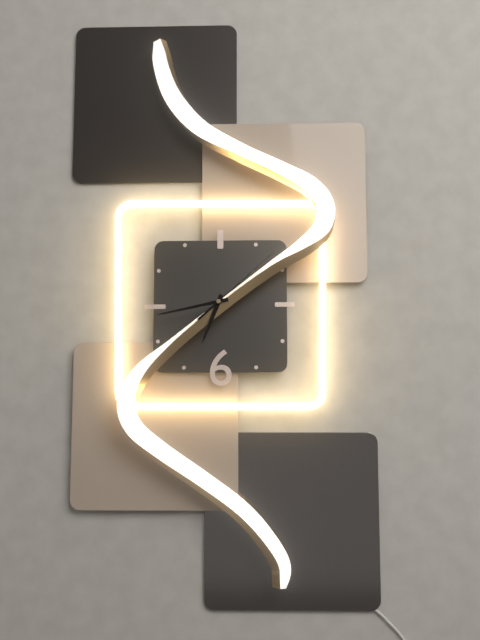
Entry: h=6 m=43 s=8
